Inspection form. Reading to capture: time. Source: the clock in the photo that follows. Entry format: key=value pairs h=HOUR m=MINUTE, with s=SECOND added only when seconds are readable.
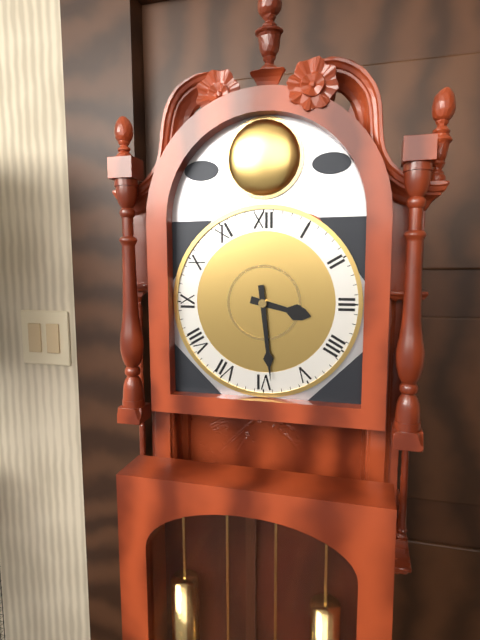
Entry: h=3 m=29
